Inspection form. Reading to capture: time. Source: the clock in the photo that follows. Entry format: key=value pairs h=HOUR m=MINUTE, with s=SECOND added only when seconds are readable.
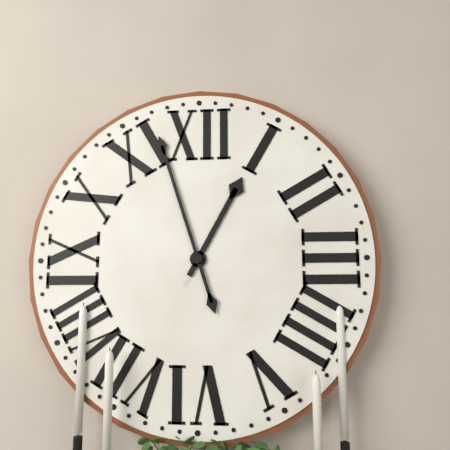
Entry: h=12 m=57
